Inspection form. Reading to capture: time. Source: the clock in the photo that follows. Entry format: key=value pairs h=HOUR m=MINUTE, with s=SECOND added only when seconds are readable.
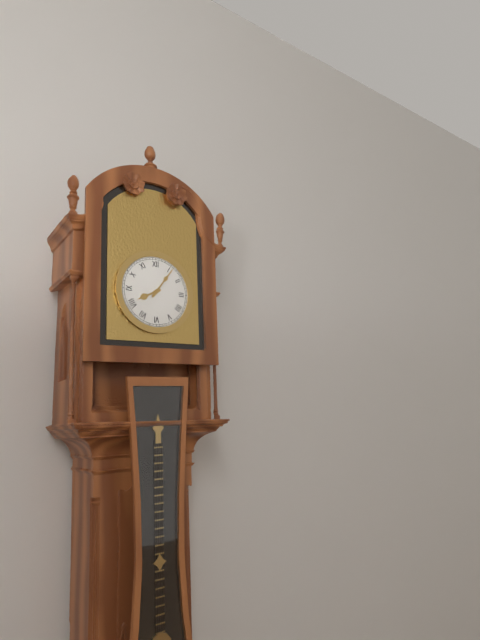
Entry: h=8 m=6
